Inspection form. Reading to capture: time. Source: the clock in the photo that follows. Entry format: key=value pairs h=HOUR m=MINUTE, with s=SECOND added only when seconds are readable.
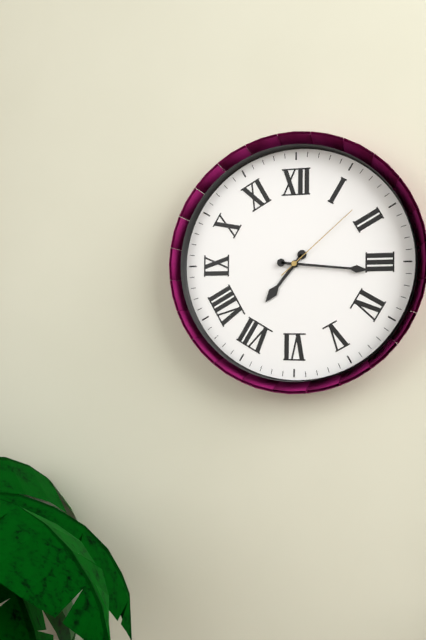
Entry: h=7 m=16 s=8
